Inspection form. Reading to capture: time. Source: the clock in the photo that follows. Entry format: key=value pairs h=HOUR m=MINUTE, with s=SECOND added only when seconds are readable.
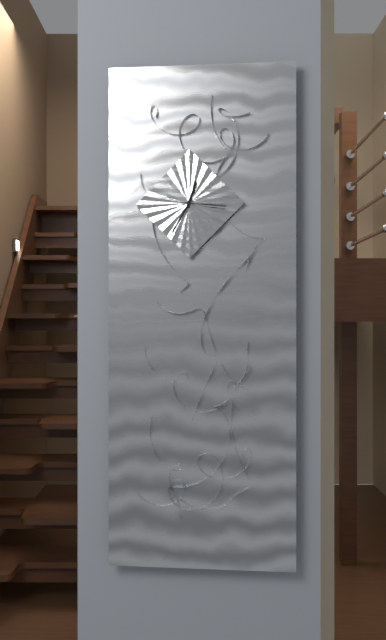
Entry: h=12 m=35
